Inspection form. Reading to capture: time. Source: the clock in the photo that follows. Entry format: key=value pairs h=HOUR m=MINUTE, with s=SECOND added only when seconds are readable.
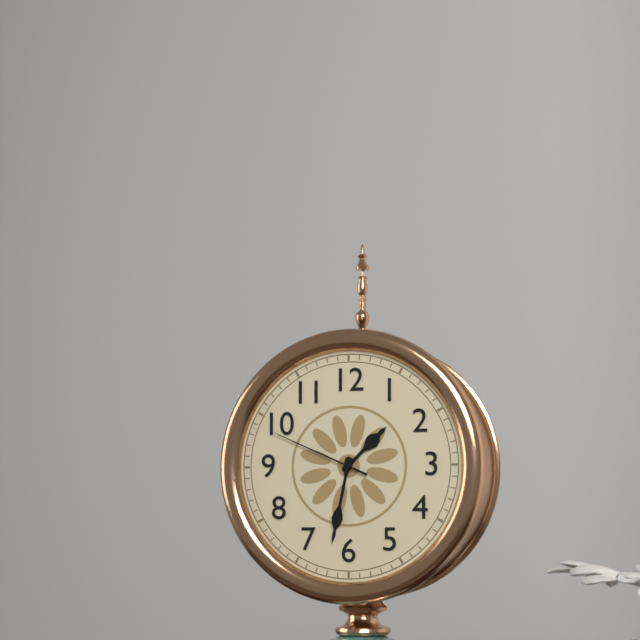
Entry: h=1 m=32 s=49
